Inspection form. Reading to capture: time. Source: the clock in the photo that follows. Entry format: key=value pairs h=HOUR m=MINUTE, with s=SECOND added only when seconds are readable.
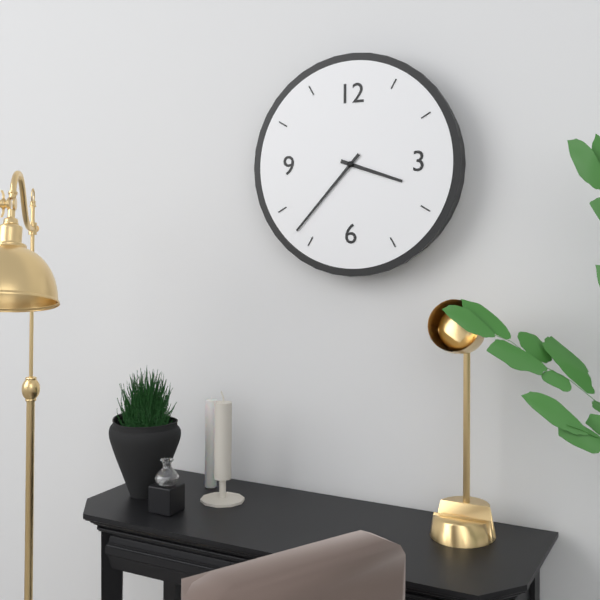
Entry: h=3 m=37
